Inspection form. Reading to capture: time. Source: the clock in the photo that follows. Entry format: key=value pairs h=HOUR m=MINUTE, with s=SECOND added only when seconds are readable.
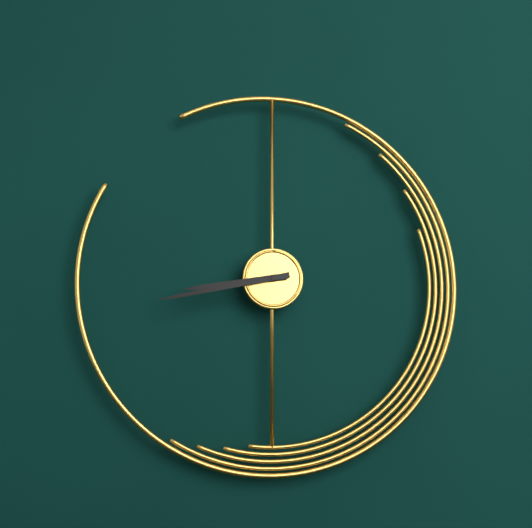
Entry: h=8 m=43
